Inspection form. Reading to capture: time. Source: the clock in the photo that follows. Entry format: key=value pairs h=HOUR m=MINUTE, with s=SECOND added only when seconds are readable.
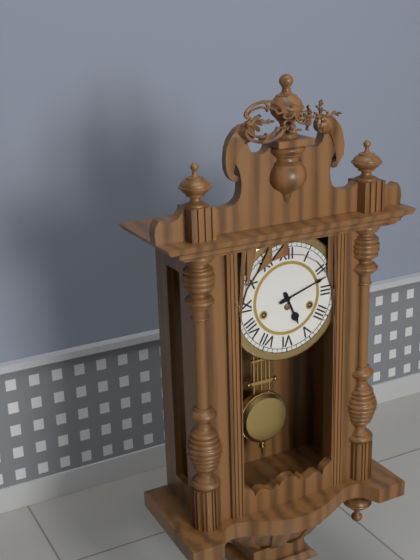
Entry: h=5 m=12
